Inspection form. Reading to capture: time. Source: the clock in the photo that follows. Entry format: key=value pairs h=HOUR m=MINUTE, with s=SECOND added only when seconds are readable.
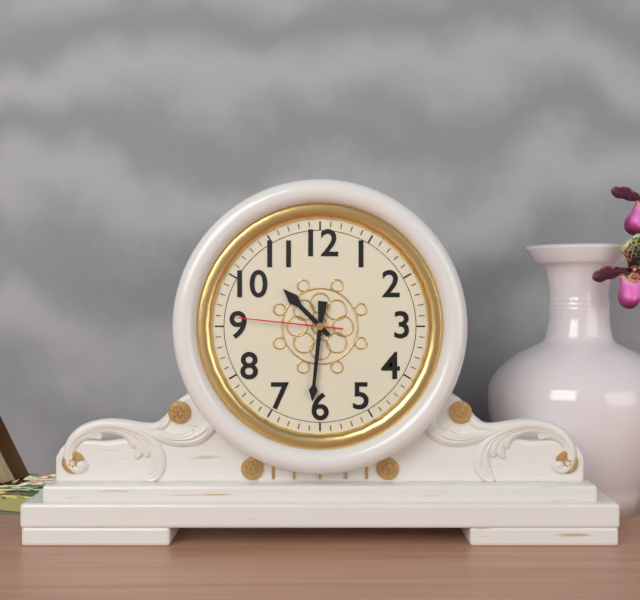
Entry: h=10 m=31 s=46
